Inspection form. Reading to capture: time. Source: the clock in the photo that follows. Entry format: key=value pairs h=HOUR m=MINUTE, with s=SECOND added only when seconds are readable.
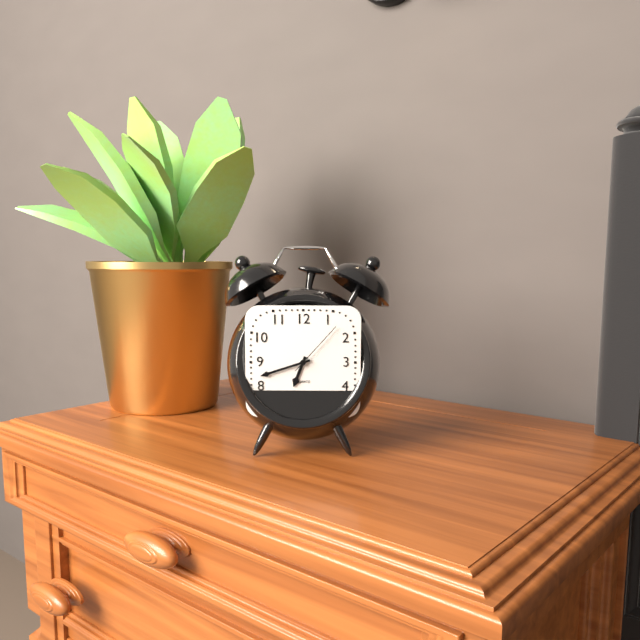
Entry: h=6 m=42 s=7
